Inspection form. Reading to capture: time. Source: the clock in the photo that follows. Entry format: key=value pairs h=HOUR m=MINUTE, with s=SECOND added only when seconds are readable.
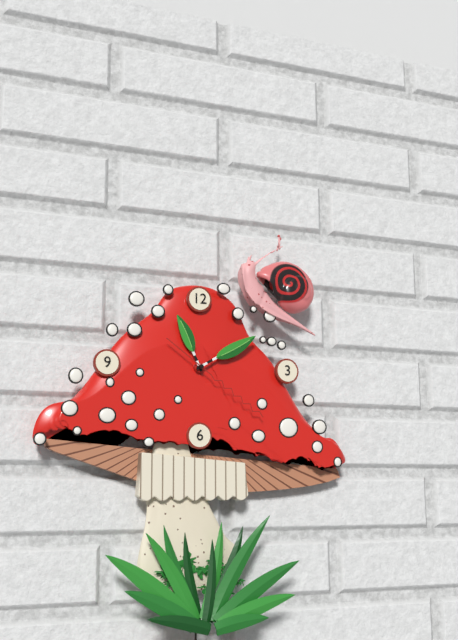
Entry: h=11 m=10 s=21
